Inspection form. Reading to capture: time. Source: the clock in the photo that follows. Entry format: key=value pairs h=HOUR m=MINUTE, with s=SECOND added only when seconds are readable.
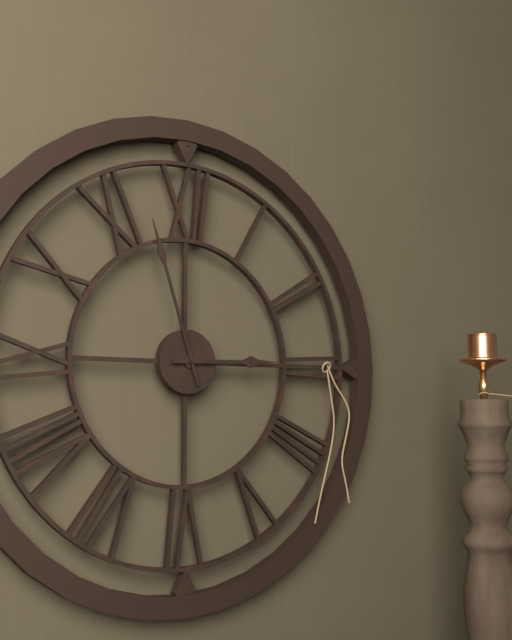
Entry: h=2 m=57
